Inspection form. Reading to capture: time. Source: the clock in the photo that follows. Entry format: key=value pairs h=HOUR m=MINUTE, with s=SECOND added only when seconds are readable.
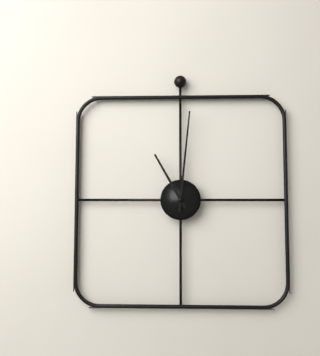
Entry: h=11 m=1
